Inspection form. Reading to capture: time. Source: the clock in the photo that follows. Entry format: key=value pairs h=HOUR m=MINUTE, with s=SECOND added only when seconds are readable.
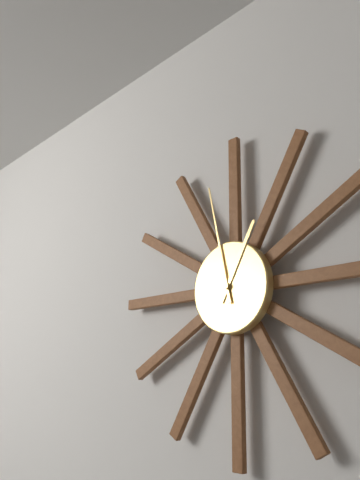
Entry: h=12 m=58
